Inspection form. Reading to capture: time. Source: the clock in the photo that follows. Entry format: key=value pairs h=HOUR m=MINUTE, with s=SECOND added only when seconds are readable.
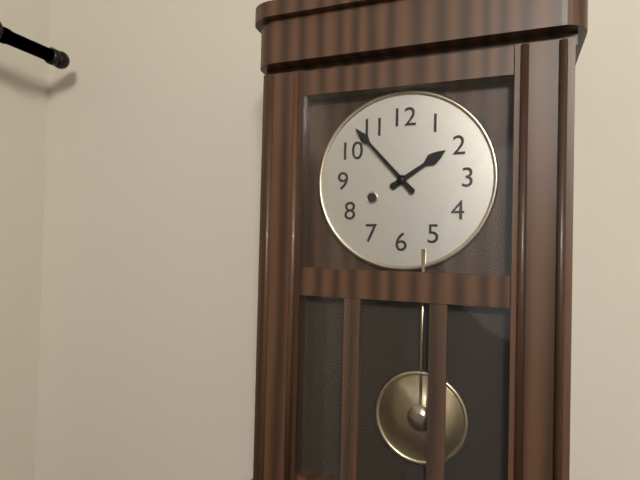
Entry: h=1 m=53
